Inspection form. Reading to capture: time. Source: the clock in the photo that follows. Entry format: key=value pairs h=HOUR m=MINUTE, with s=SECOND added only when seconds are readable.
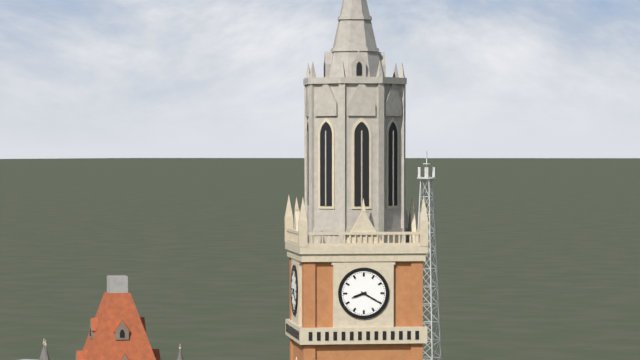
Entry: h=8 m=20
